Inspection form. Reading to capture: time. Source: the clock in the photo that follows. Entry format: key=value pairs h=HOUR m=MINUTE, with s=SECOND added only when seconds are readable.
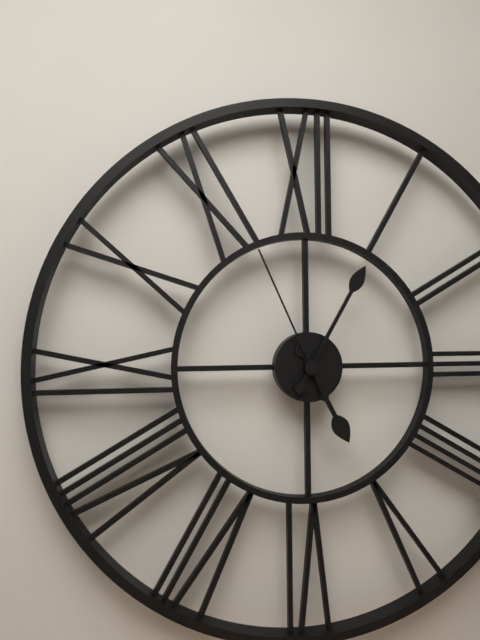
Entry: h=5 m=5 s=56
